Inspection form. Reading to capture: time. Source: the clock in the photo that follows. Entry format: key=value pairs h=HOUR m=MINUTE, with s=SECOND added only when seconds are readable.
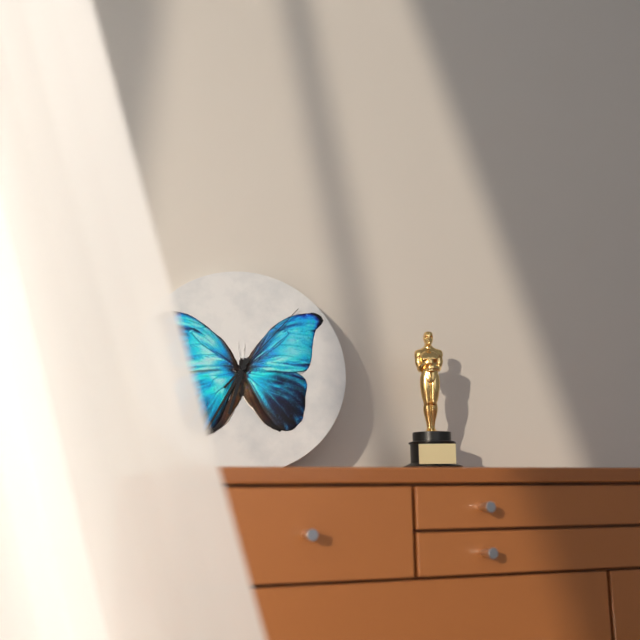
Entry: h=6 m=35 s=7
